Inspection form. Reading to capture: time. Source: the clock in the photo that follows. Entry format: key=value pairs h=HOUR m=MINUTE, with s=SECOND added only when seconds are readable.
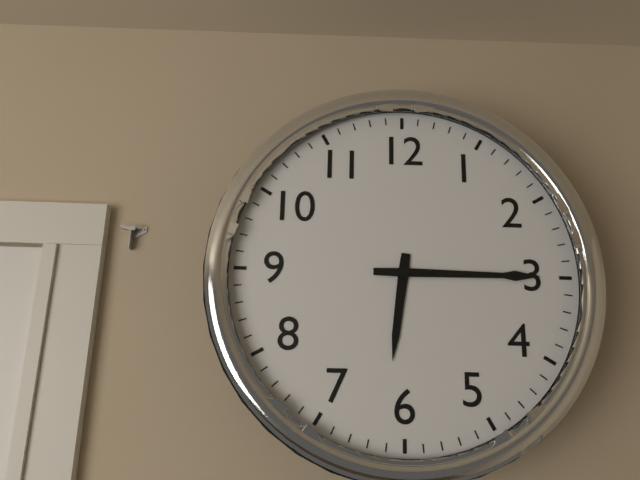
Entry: h=6 m=15
